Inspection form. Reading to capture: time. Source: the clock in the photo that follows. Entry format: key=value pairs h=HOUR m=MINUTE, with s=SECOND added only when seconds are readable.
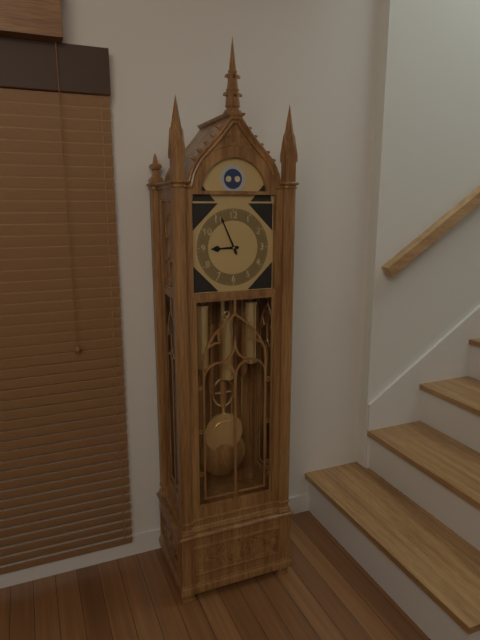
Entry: h=8 m=56
